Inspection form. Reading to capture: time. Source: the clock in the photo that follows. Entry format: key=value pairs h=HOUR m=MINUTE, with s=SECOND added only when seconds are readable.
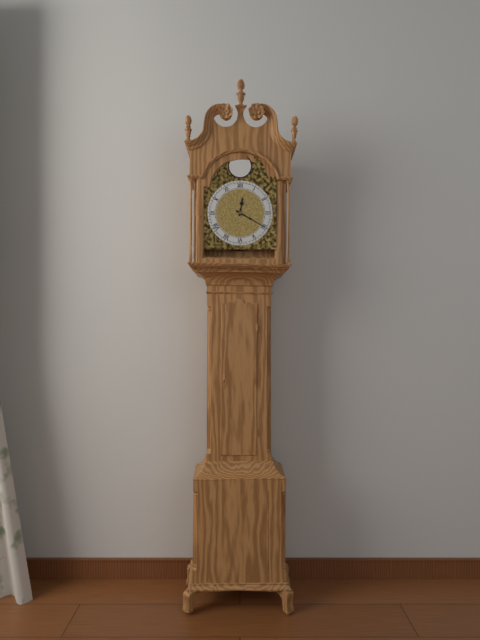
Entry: h=12 m=20
